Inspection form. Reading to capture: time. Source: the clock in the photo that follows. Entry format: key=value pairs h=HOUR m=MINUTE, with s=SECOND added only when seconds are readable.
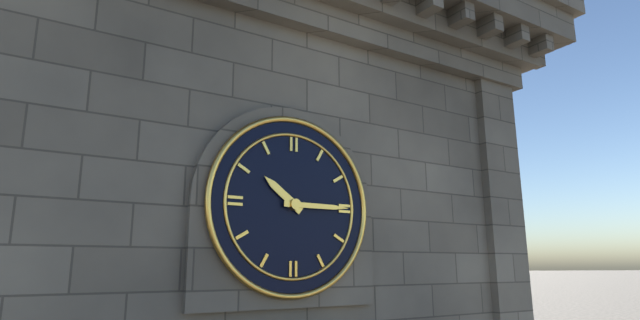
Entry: h=10 m=15
